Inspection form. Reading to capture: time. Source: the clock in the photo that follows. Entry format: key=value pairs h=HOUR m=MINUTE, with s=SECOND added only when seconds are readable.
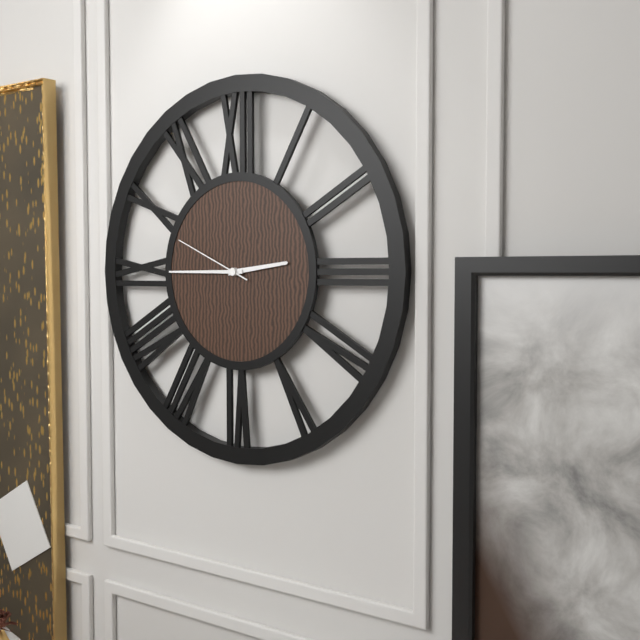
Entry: h=2 m=45 s=49
